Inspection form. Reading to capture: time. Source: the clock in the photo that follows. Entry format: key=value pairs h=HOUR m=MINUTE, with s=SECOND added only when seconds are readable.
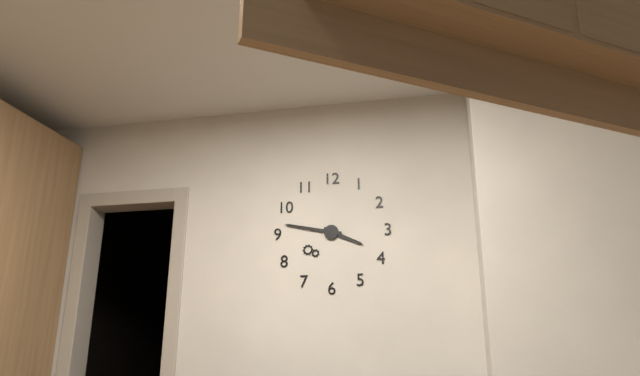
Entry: h=3 m=47
